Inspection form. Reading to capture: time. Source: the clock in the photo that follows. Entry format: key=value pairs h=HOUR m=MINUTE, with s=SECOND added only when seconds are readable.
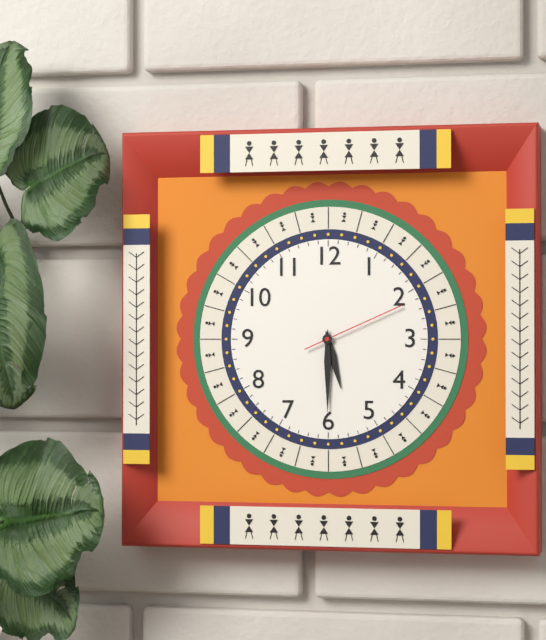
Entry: h=5 m=30 s=11
